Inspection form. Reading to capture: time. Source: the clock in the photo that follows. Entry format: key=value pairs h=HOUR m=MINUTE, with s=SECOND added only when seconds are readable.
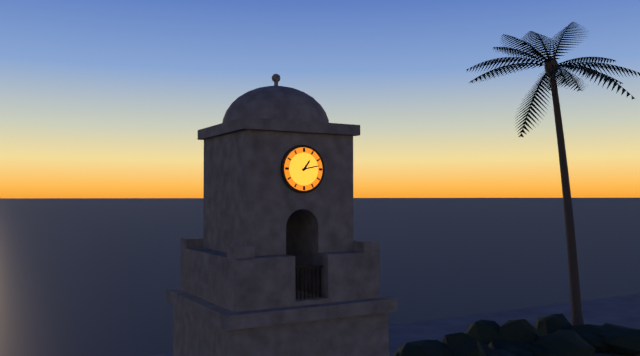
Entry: h=1 m=13
